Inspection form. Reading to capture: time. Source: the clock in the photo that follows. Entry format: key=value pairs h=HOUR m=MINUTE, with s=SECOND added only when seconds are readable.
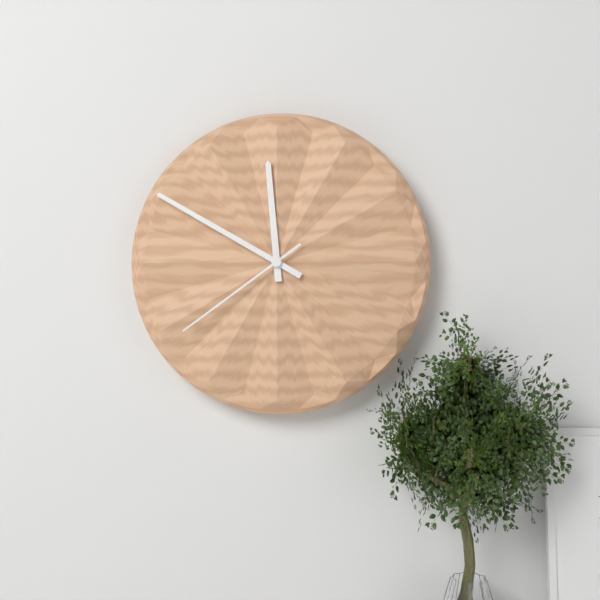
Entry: h=11 m=50 s=39
